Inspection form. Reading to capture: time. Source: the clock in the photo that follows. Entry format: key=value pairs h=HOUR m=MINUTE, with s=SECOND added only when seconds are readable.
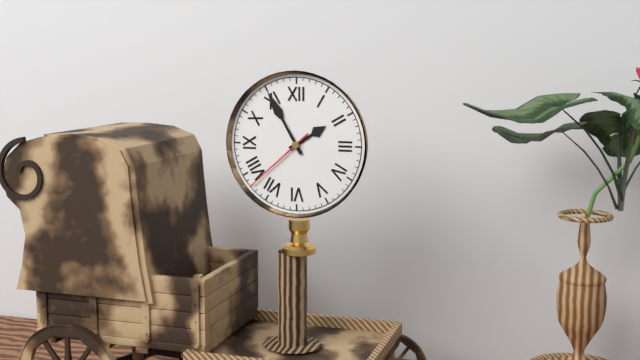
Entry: h=1 m=55 s=38
